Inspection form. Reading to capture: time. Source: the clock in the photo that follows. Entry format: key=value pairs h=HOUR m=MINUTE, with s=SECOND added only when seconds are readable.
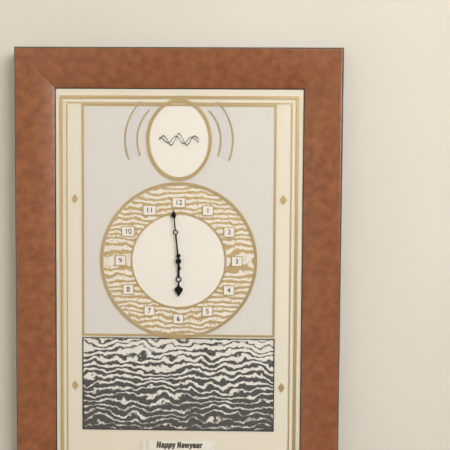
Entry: h=5 m=59
